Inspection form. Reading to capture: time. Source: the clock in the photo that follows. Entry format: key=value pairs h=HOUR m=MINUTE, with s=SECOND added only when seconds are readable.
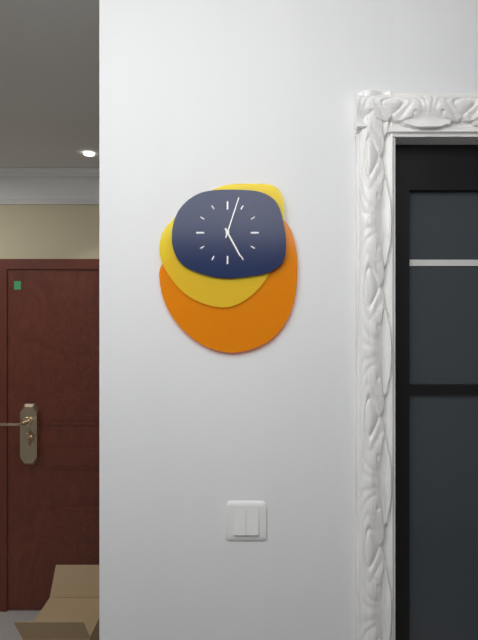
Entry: h=5 m=3
